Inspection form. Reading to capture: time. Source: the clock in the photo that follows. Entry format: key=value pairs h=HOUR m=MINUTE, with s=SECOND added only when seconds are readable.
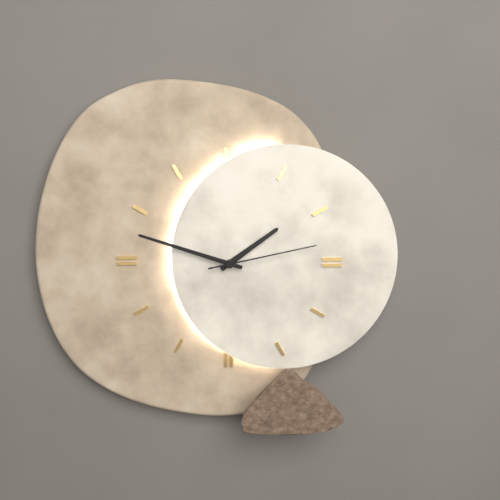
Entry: h=1 m=48 s=13
